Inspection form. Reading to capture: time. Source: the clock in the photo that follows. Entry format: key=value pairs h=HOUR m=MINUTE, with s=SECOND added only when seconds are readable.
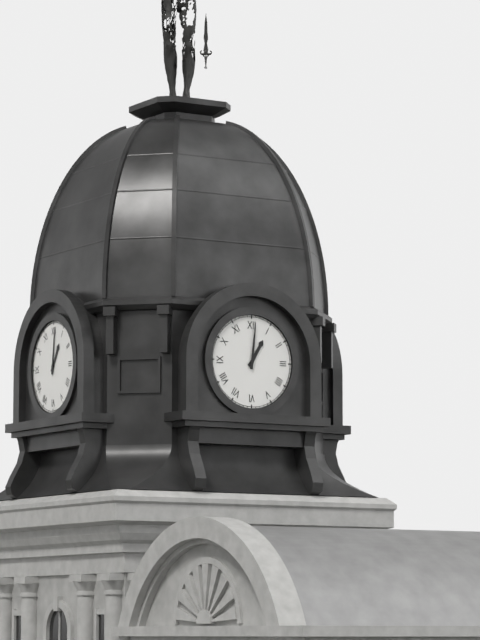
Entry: h=1 m=1
